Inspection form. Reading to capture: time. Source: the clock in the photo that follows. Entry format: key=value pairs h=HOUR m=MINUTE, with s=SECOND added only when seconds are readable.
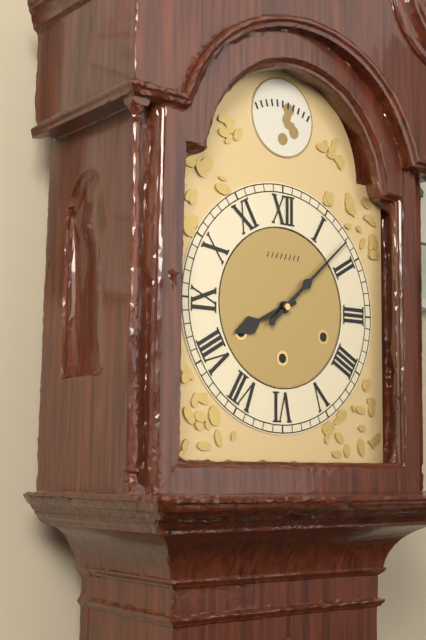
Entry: h=8 m=8
